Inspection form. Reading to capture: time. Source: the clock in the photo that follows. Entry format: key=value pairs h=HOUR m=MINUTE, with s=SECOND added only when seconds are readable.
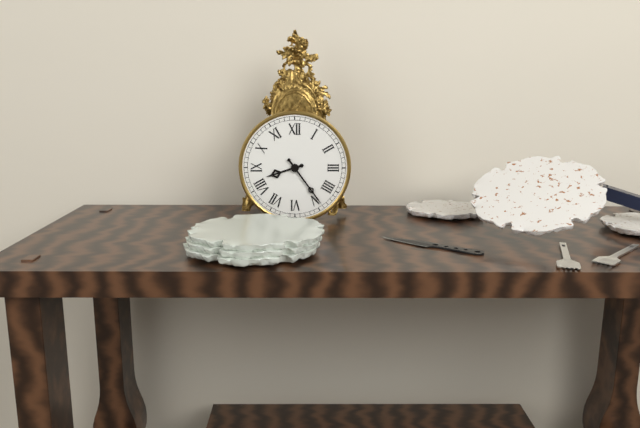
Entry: h=8 m=24
